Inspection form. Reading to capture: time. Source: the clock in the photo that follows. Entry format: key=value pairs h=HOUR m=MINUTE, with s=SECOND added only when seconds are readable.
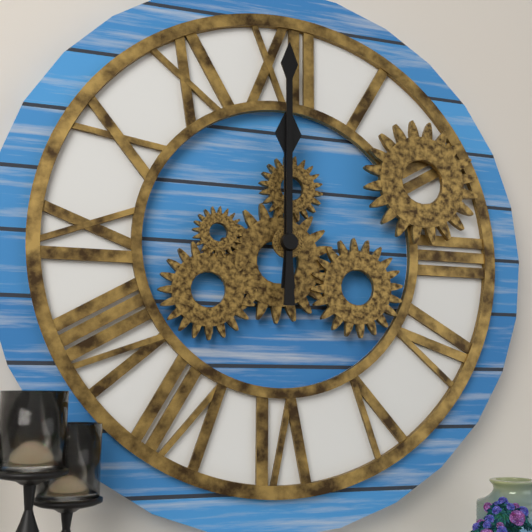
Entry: h=12 m=0
